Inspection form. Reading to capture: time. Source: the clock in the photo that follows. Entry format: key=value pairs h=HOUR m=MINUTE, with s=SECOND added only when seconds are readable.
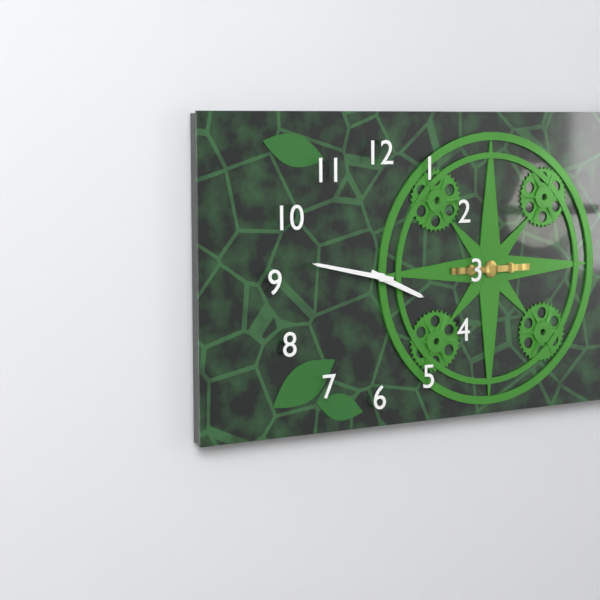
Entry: h=3 m=47
